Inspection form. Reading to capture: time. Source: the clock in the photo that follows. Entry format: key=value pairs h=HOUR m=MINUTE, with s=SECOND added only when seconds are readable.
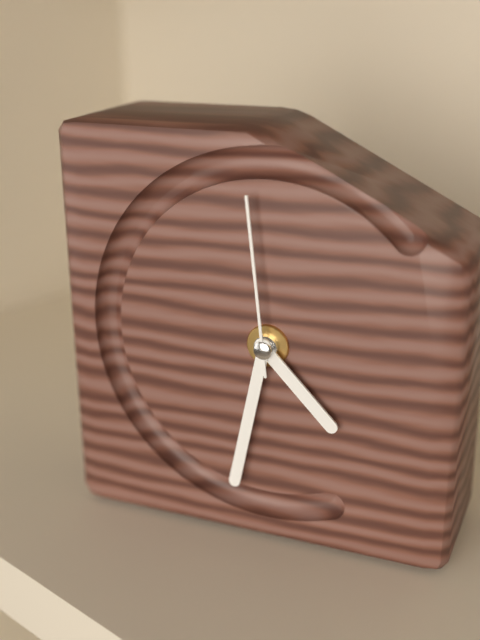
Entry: h=4 m=32 s=59
